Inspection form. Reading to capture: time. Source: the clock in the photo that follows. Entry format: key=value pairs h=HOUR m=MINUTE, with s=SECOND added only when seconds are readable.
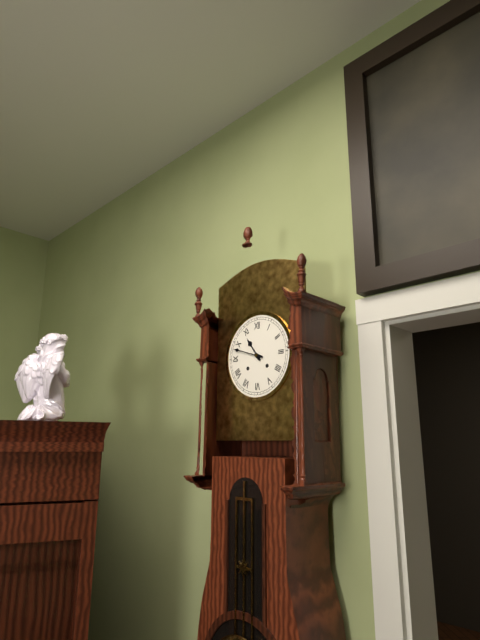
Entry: h=10 m=48
